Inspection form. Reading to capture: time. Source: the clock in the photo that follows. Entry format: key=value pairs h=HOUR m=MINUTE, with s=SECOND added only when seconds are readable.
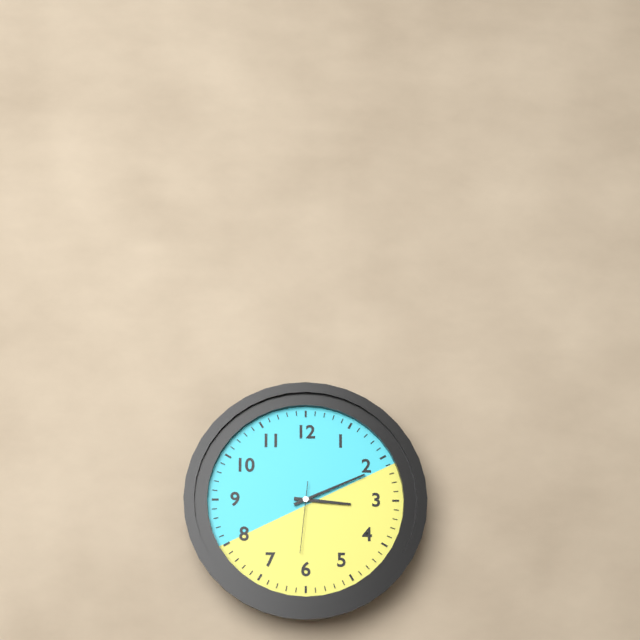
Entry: h=3 m=11 s=31
